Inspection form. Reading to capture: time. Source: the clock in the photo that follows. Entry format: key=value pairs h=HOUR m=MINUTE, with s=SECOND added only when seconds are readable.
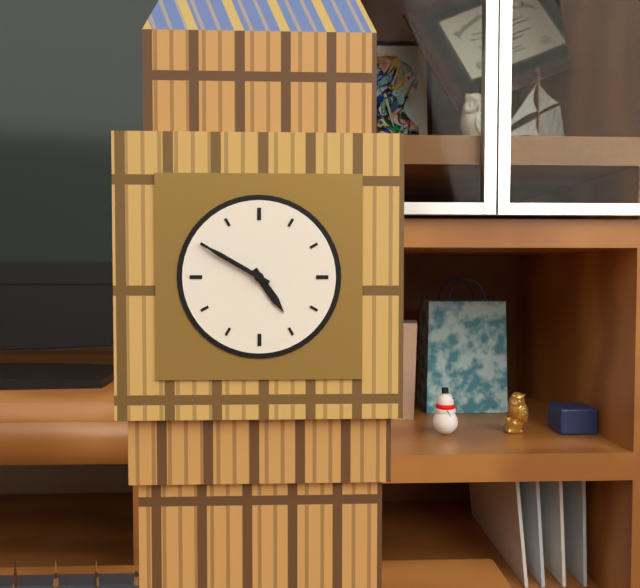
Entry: h=4 m=50
